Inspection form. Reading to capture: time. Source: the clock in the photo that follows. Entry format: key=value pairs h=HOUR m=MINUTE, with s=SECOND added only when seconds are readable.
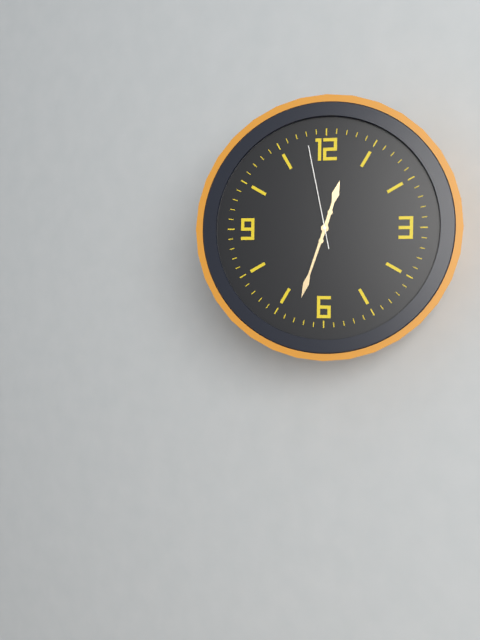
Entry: h=12 m=33 s=58
